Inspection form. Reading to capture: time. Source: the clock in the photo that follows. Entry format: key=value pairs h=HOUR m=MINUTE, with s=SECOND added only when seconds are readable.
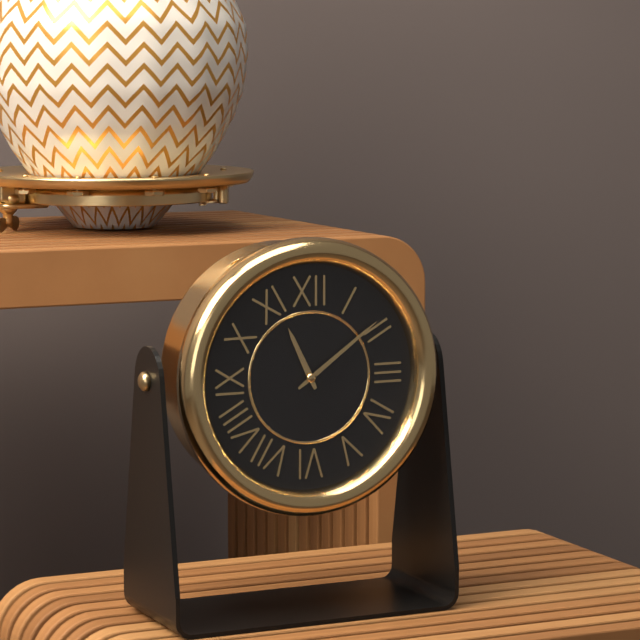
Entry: h=11 m=9
